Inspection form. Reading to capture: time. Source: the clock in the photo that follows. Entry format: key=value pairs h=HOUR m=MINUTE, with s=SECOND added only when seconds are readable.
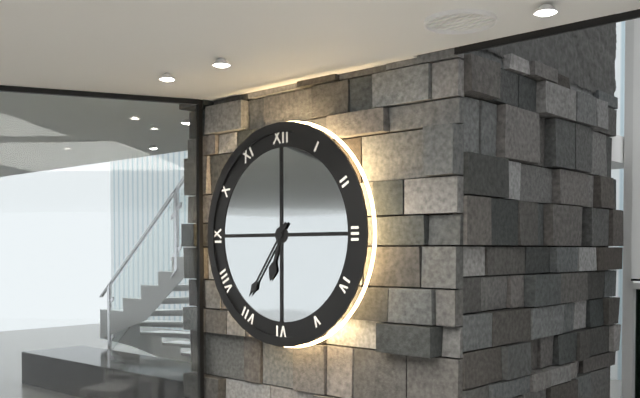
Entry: h=6 m=36
